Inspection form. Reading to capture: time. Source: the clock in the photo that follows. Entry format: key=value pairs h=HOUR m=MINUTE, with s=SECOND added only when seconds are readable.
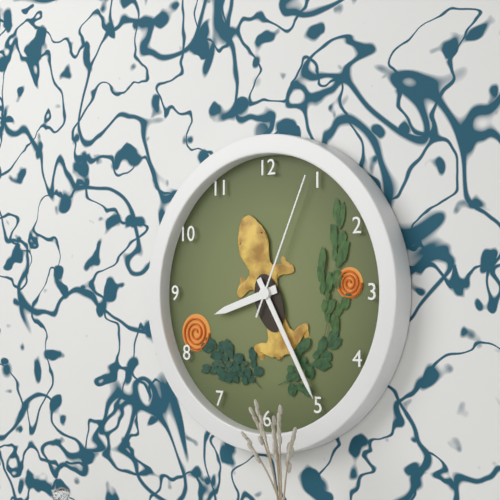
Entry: h=8 m=25 s=4
